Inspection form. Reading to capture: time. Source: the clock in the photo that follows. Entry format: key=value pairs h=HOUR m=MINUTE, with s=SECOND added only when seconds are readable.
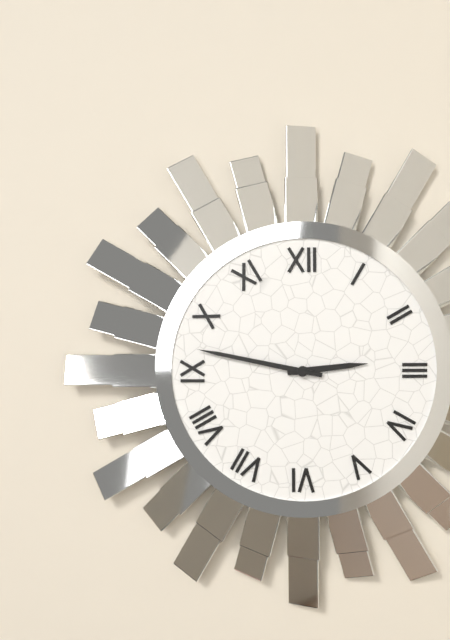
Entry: h=2 m=47
